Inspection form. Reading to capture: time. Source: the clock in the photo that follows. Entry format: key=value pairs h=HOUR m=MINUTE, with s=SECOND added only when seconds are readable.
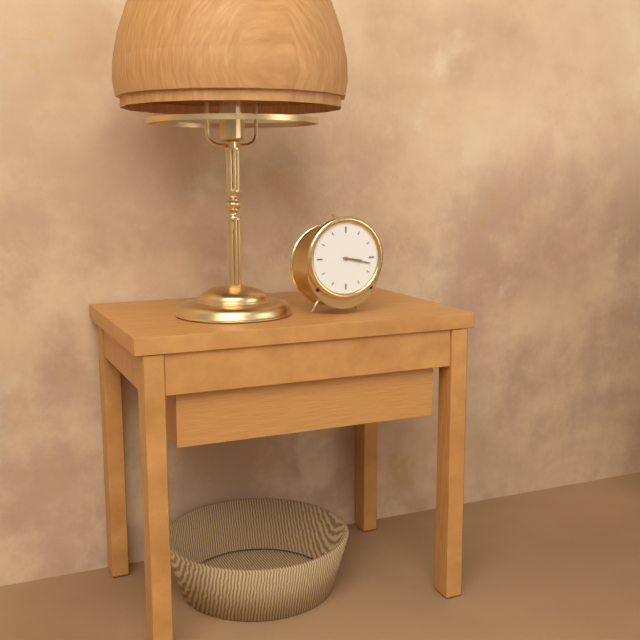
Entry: h=3 m=17
